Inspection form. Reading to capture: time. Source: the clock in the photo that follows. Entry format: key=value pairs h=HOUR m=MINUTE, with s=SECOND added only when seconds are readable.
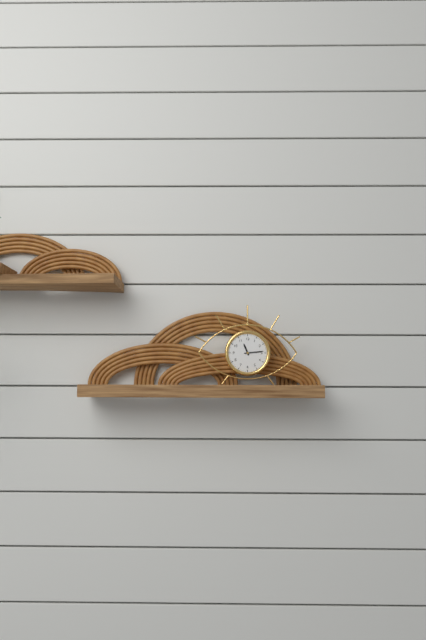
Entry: h=11 m=14
